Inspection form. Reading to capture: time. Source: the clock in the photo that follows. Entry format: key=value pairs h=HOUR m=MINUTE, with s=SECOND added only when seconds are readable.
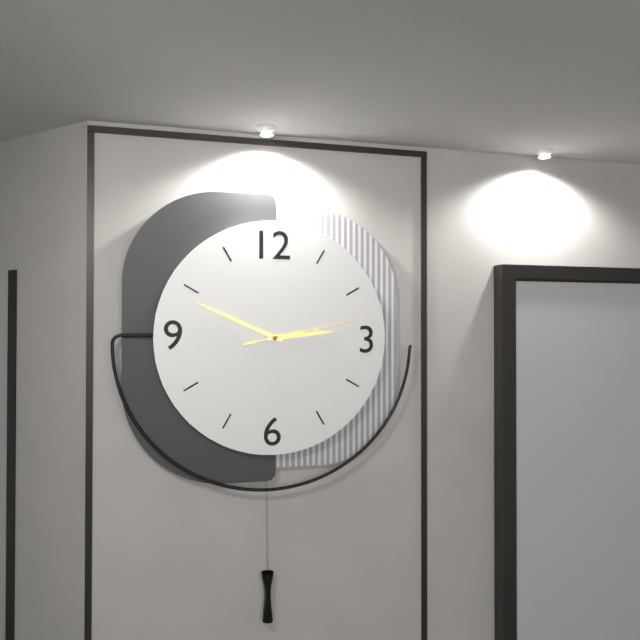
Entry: h=2 m=49 s=13
